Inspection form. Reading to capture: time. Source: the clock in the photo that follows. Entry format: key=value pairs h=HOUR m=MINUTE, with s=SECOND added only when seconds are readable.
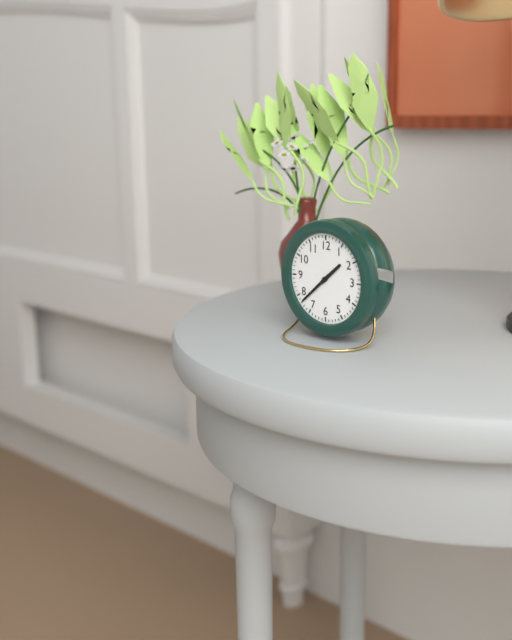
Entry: h=1 m=38
